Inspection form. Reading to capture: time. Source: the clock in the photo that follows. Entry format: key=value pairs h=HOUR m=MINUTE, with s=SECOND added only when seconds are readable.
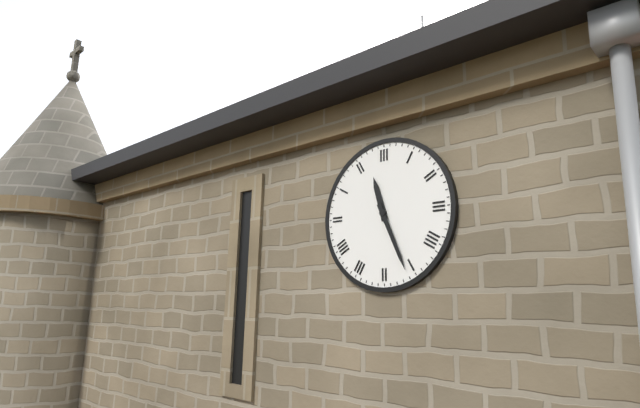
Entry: h=11 m=26
